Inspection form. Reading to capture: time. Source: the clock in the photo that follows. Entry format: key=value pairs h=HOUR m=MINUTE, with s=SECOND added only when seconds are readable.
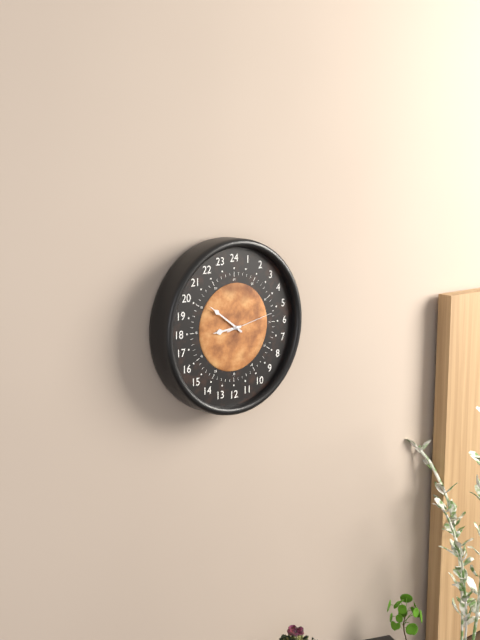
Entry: h=8 m=51 s=13
